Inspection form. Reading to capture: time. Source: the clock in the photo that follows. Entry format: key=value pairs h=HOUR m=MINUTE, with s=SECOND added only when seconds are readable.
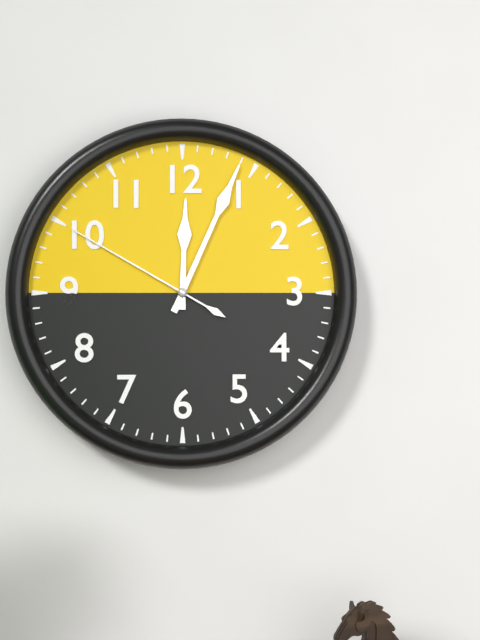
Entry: h=12 m=4 s=50
